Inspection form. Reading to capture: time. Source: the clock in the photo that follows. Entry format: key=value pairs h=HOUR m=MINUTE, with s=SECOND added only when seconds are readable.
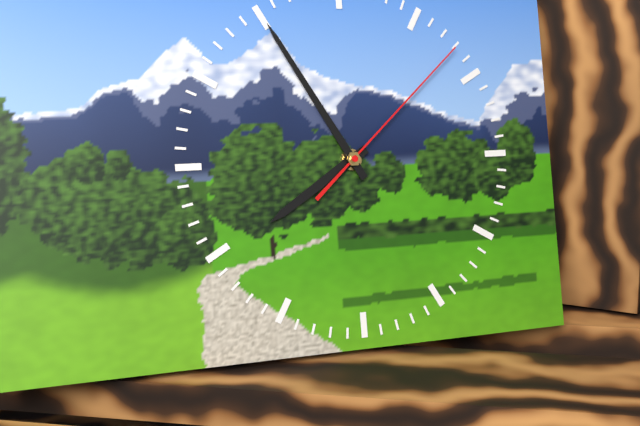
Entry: h=7 m=55 s=8
